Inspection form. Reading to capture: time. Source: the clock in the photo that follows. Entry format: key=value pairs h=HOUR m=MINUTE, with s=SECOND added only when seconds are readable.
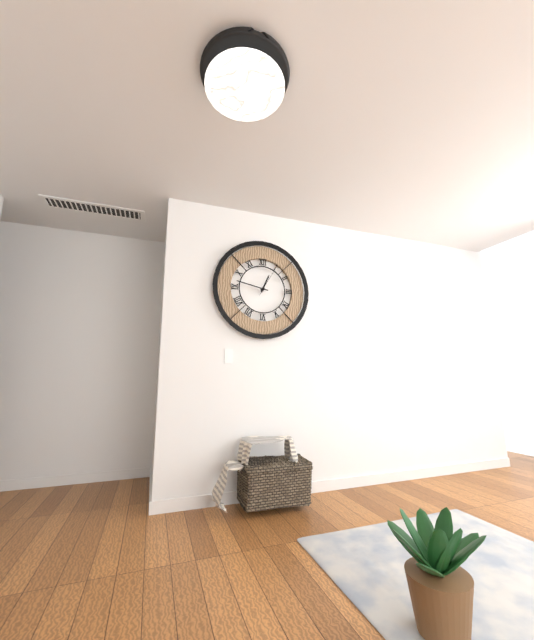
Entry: h=12 m=47
